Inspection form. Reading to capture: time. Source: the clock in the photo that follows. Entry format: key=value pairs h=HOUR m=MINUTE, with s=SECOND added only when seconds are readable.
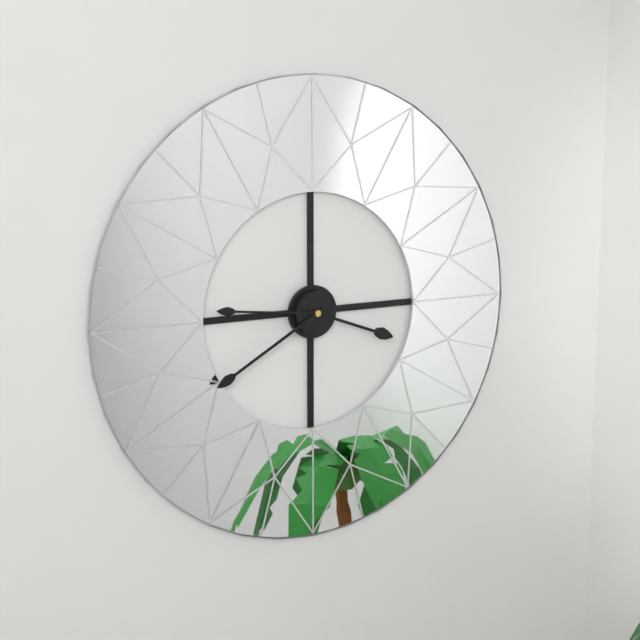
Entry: h=3 m=40 s=46
